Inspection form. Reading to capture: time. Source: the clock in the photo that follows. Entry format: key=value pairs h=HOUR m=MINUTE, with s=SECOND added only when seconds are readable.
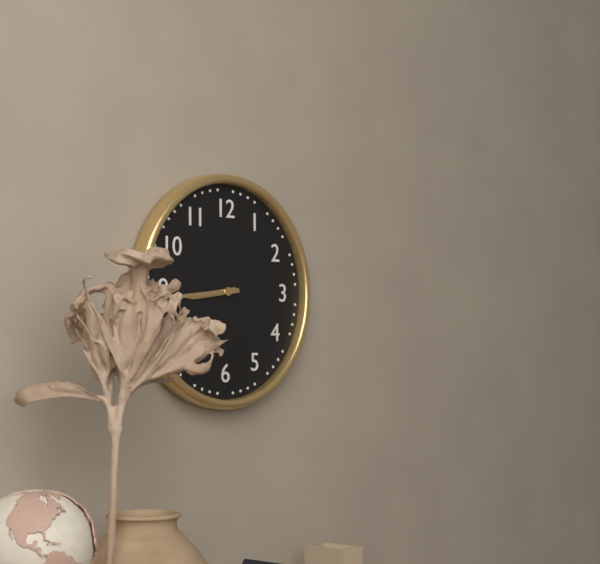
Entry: h=8 m=44
